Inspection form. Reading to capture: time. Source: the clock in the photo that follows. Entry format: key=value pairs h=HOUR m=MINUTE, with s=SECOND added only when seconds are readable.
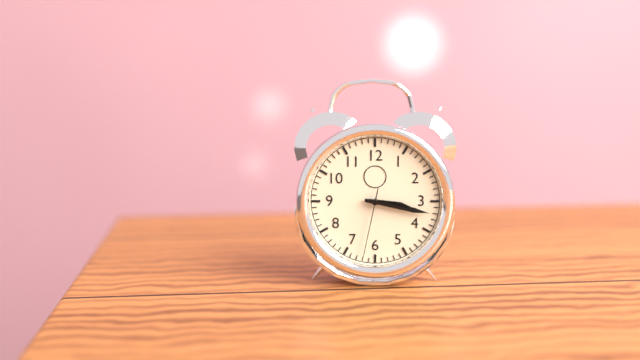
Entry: h=3 m=17 s=32
